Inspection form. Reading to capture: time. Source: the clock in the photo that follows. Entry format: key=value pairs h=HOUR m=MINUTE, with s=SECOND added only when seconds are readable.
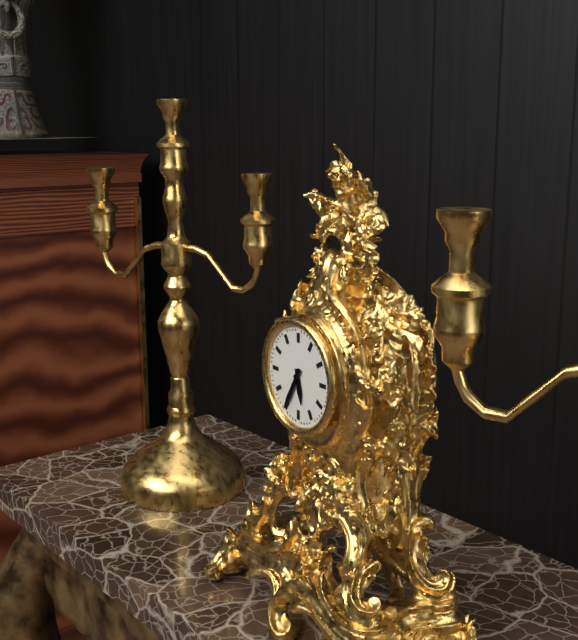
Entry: h=5 m=35
